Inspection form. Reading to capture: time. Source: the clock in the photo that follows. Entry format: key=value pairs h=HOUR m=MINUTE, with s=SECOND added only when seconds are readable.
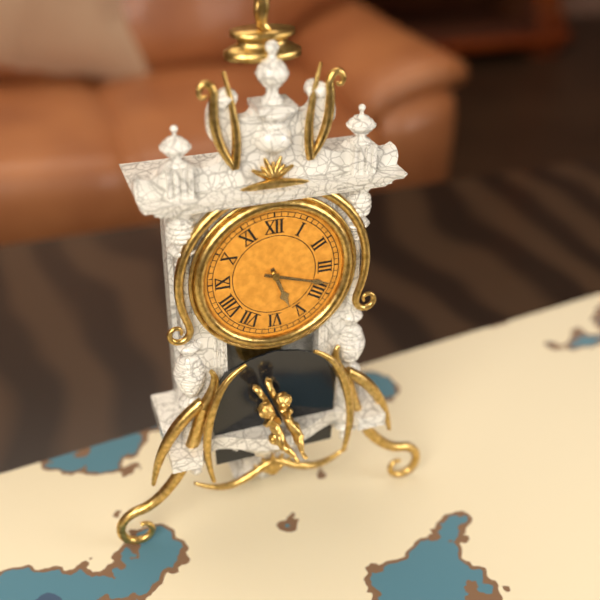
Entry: h=5 m=18
